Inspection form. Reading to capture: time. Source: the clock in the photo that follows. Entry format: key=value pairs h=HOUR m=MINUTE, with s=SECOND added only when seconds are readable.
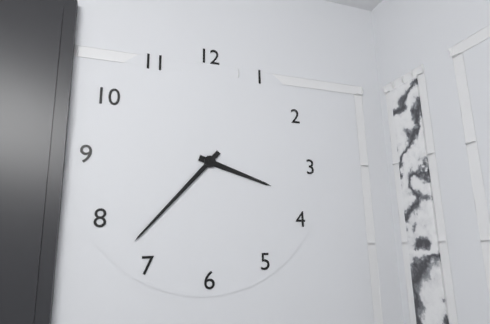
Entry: h=3 m=37
